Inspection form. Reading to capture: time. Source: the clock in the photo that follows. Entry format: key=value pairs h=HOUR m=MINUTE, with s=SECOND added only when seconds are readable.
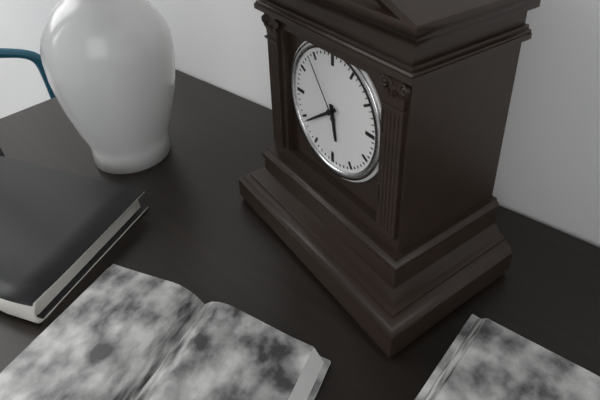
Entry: h=5 m=39 s=54
